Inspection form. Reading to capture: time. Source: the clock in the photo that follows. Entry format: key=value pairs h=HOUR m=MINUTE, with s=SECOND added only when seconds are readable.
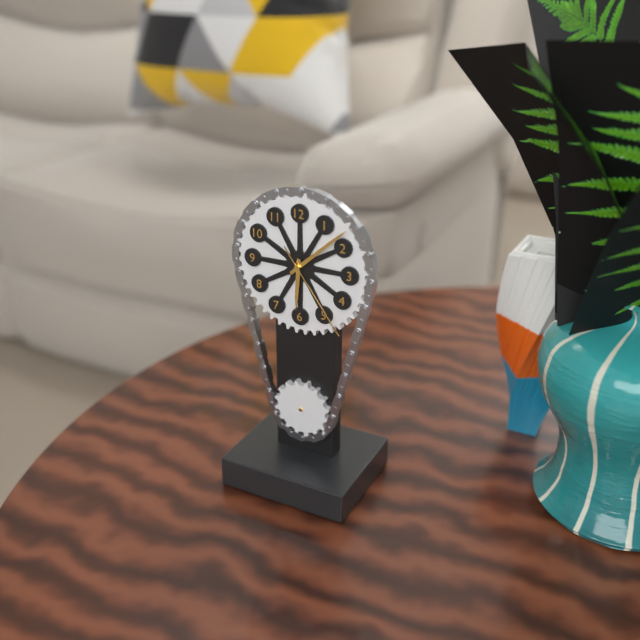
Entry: h=6 m=8 s=24
